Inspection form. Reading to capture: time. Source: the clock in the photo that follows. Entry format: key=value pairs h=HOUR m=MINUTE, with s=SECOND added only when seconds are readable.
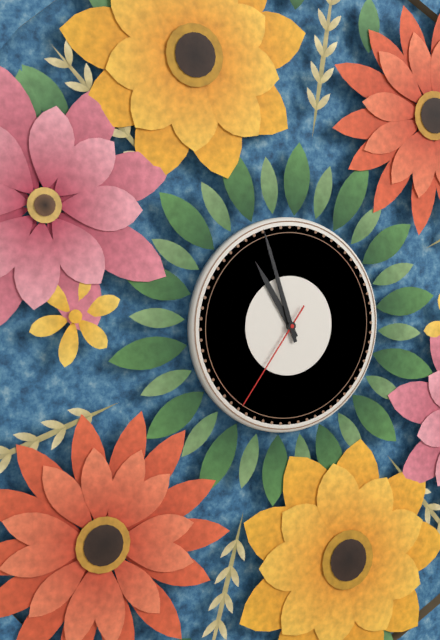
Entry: h=10 m=57 s=36
